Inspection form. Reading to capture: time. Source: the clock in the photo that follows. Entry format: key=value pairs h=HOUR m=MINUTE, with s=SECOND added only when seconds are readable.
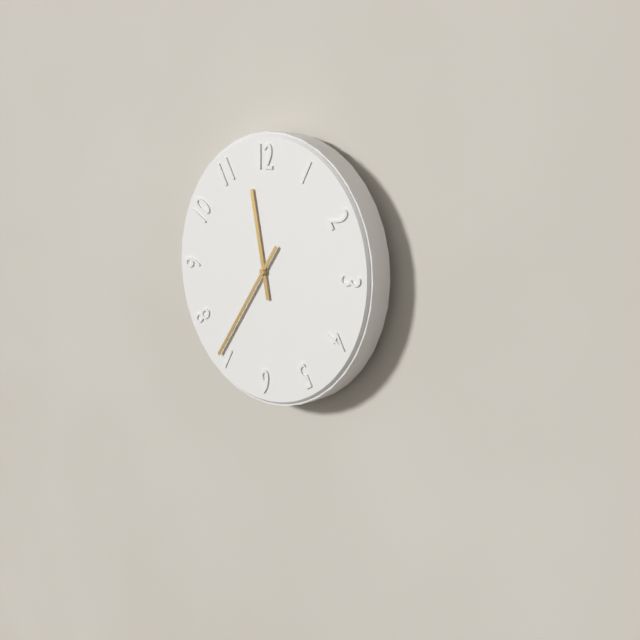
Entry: h=11 m=36
